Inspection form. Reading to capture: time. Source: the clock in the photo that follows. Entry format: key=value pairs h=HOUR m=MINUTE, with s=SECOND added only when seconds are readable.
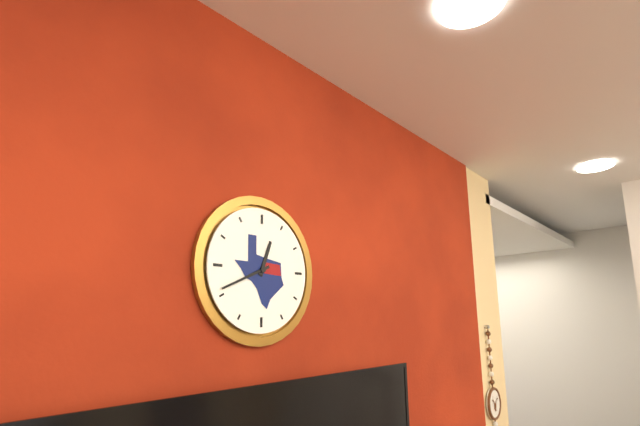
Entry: h=12 m=41
